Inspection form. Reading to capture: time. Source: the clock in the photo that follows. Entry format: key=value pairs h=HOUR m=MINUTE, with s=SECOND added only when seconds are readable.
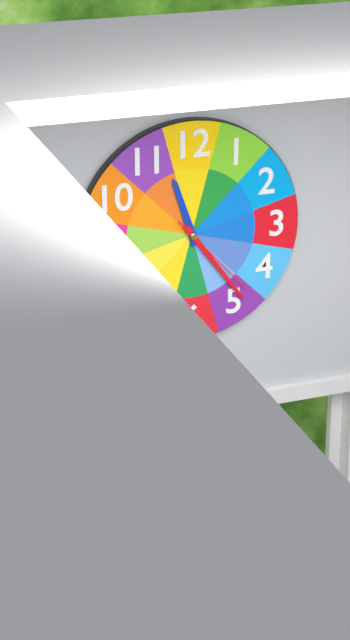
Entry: h=11 m=24 s=23
